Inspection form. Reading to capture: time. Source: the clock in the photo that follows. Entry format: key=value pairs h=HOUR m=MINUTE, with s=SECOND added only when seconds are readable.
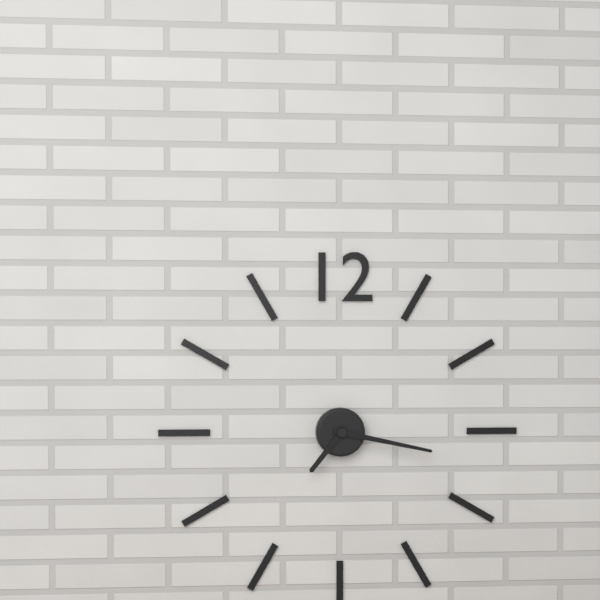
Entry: h=7 m=17
